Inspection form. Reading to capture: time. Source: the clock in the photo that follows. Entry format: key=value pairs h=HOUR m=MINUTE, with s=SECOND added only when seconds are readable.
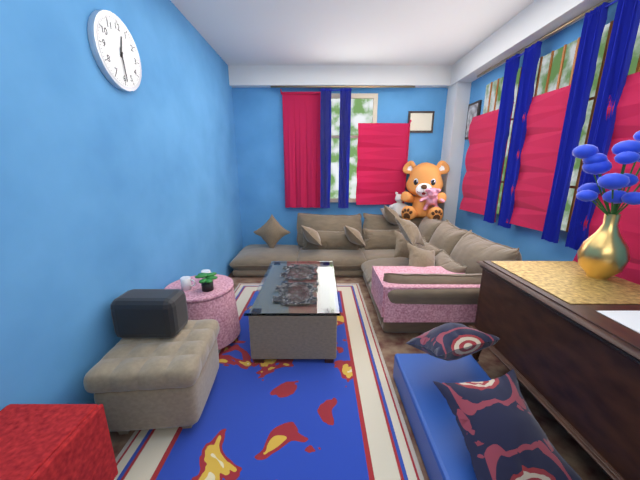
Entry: h=12 m=29
